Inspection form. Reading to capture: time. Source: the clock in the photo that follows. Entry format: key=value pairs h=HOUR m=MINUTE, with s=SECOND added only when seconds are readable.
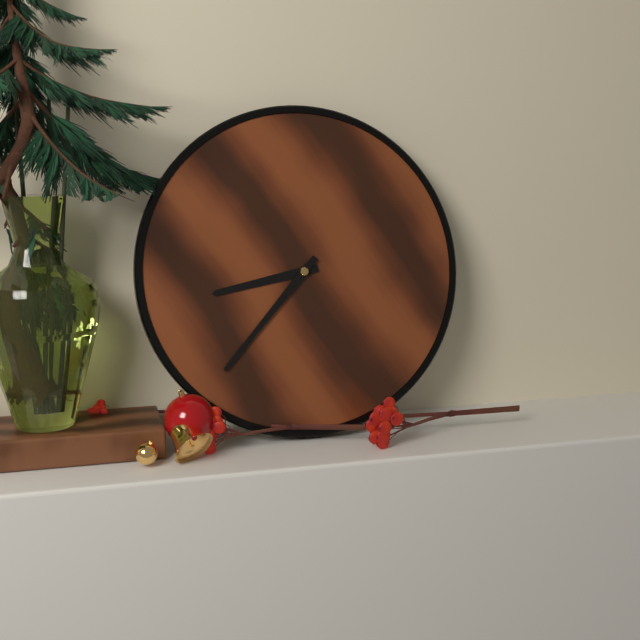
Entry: h=8 m=37
